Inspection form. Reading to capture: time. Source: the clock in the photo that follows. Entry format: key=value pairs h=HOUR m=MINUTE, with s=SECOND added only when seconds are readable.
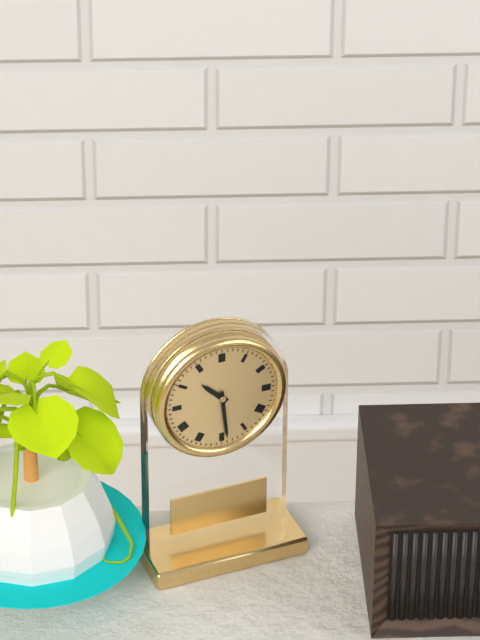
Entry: h=10 m=29
